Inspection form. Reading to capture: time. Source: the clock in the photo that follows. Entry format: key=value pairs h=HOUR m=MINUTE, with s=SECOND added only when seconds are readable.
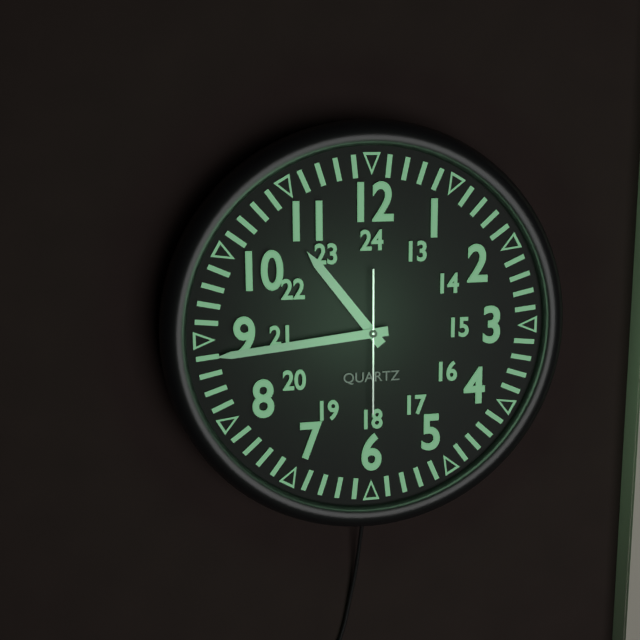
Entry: h=10 m=44 s=30
